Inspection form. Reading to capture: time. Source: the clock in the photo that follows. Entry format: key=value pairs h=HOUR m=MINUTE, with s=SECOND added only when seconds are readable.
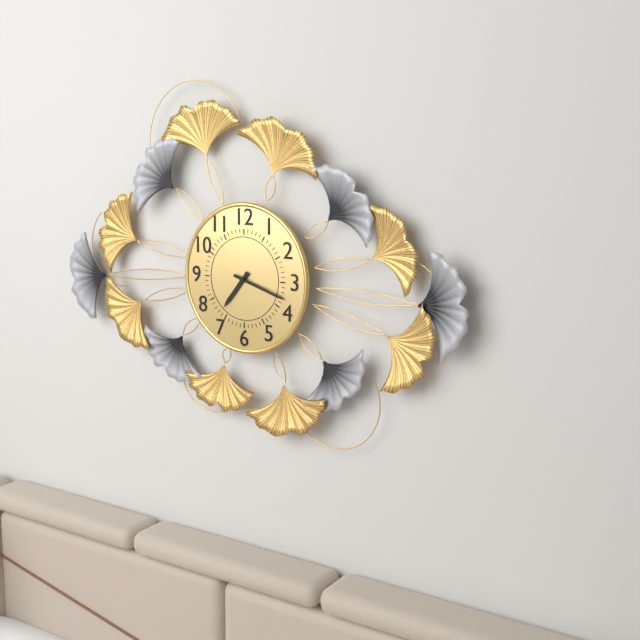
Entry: h=7 m=18
